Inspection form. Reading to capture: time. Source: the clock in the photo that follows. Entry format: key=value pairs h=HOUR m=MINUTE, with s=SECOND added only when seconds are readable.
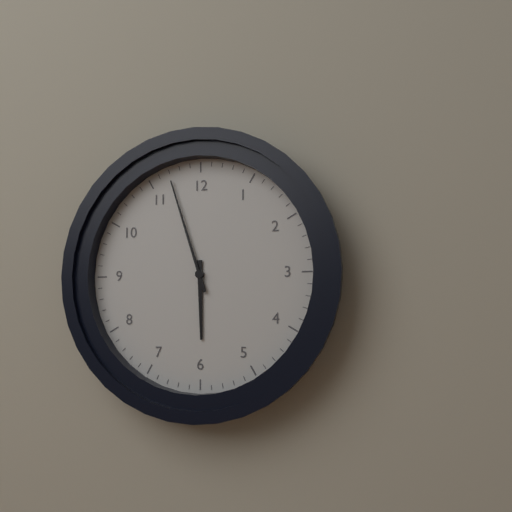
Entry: h=5 m=57
